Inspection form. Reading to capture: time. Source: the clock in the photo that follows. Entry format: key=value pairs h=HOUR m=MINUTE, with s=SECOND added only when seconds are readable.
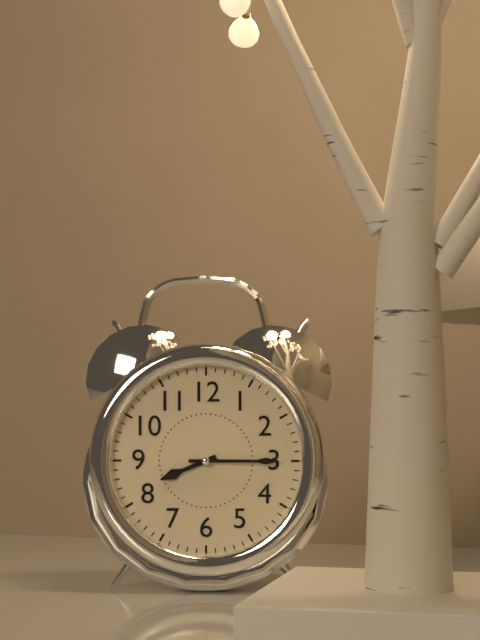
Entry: h=8 m=15
